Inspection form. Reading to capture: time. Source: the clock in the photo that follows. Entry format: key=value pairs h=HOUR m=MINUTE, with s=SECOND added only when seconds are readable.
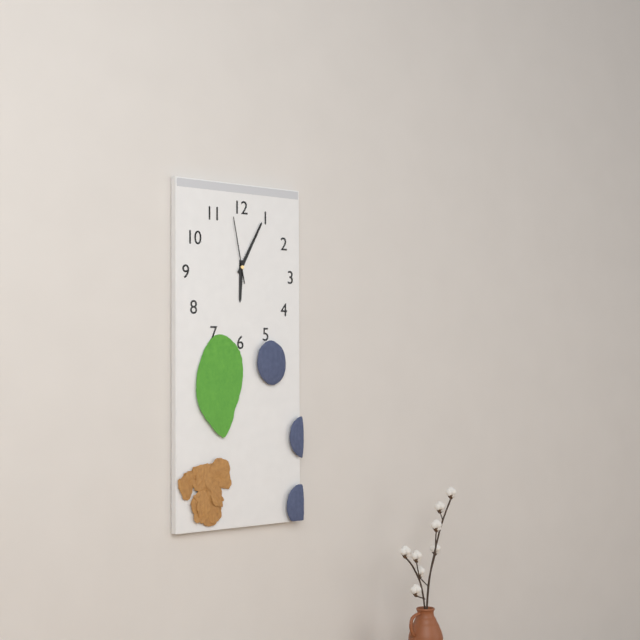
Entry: h=6 m=5 s=58
